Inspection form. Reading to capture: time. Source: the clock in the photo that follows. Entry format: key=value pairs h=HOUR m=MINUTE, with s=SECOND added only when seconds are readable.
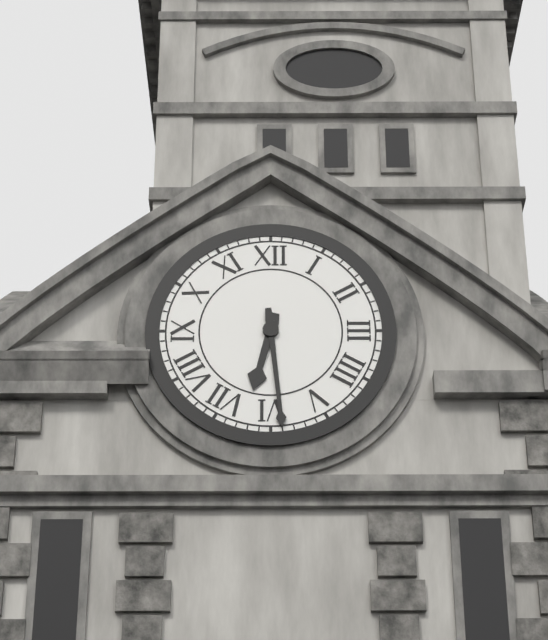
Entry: h=6 m=29
